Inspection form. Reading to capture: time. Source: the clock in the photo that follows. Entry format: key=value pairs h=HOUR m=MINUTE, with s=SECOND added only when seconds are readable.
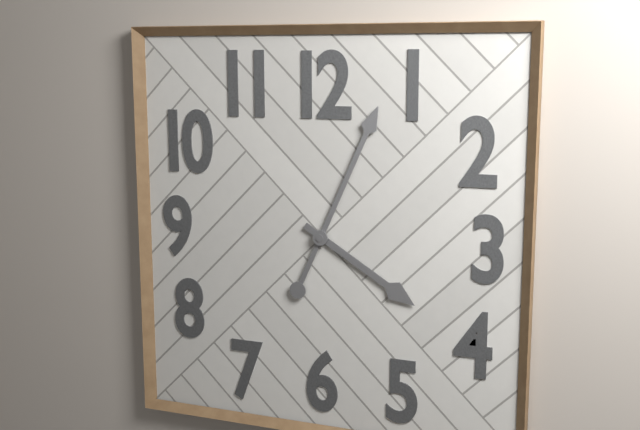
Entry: h=4 m=4
